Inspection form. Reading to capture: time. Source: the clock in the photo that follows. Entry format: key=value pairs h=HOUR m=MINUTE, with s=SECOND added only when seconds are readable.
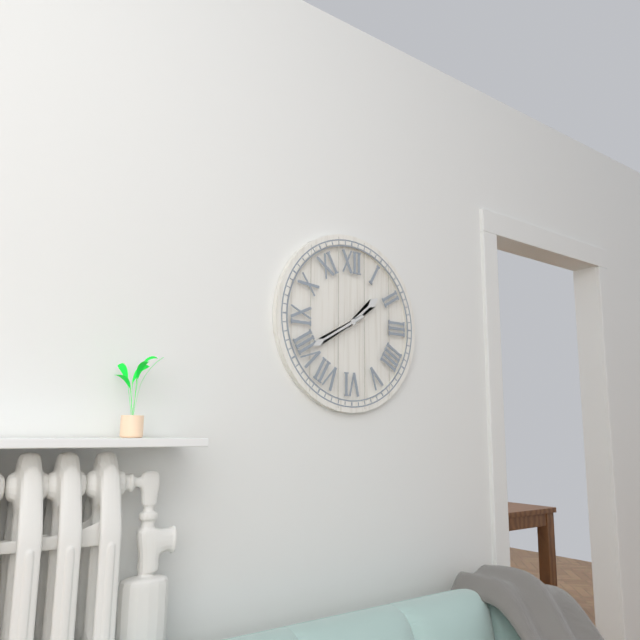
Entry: h=1 m=40
